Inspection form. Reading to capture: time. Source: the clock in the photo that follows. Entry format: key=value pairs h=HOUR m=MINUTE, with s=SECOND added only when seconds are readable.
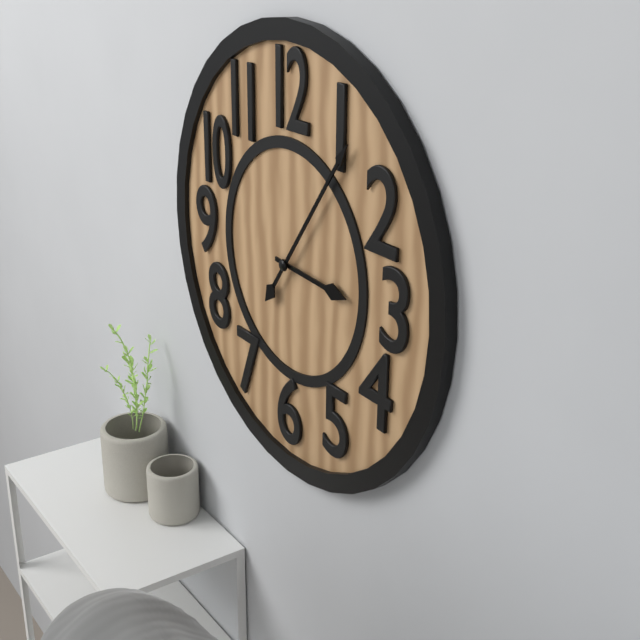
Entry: h=3 m=6
